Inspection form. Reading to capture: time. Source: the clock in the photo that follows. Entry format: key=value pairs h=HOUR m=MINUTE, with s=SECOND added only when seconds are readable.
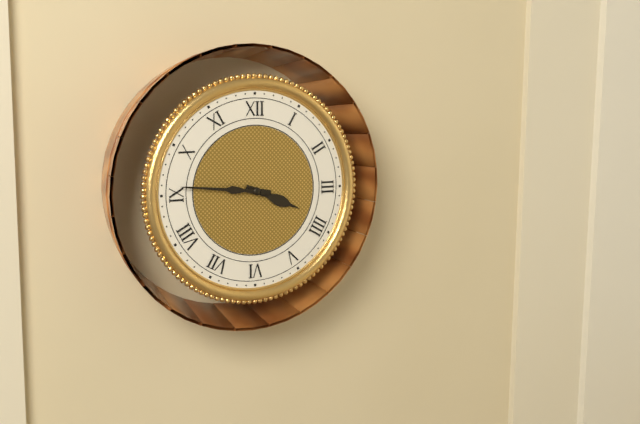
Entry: h=3 m=46
